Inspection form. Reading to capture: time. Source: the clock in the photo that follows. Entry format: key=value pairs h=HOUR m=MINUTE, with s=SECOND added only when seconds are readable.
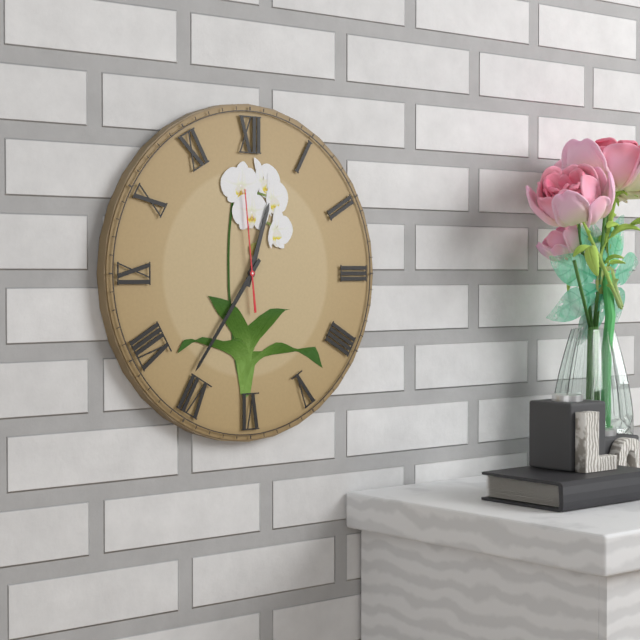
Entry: h=12 m=36 s=59
